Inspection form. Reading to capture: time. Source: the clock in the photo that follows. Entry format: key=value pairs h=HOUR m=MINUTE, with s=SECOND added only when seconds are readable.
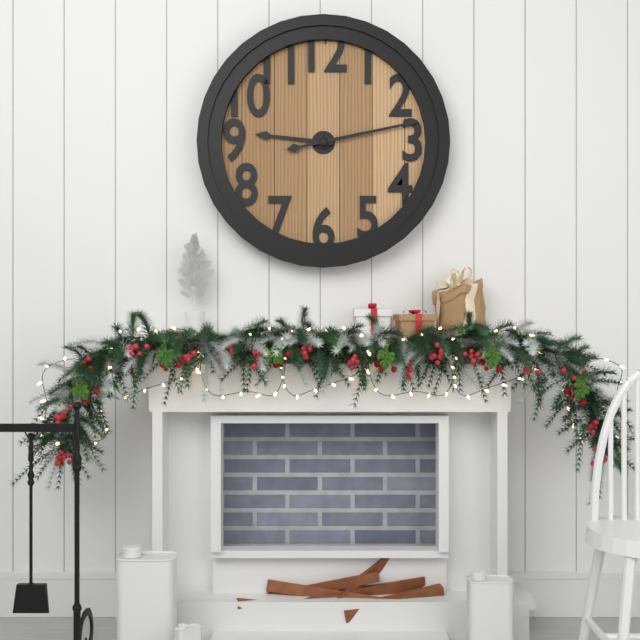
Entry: h=9 m=13
